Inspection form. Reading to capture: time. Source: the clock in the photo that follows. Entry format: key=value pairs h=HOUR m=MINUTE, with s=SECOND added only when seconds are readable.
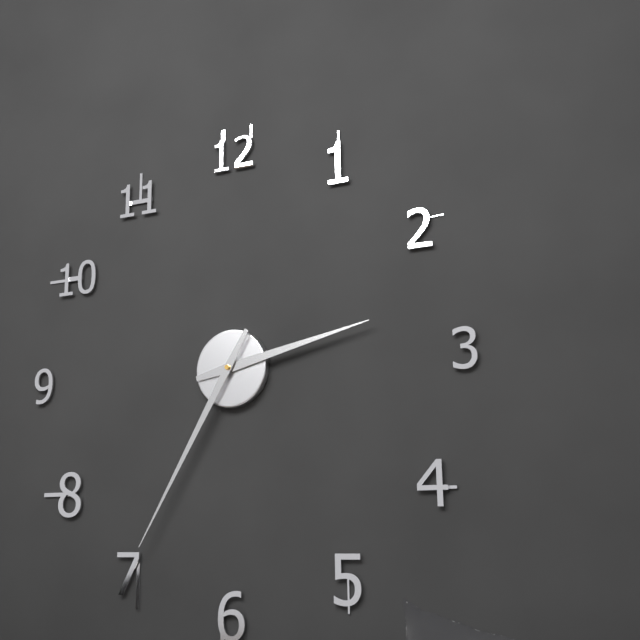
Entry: h=2 m=35
